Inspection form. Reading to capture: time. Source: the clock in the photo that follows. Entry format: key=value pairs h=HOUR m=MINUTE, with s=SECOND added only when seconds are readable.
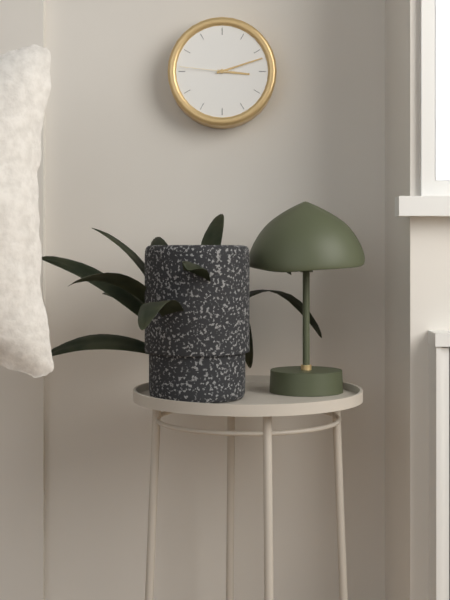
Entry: h=3 m=12 s=46
